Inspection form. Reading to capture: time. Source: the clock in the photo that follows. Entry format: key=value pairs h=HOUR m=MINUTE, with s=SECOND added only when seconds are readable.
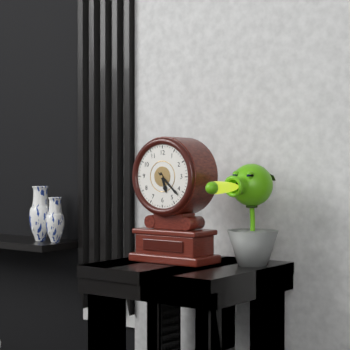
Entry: h=5 m=22
